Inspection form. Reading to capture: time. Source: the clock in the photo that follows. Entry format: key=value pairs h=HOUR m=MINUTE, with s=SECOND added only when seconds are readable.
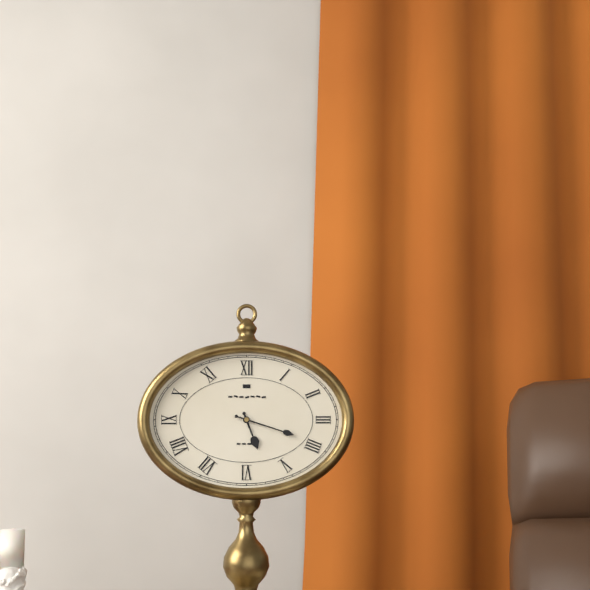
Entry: h=5 m=18
